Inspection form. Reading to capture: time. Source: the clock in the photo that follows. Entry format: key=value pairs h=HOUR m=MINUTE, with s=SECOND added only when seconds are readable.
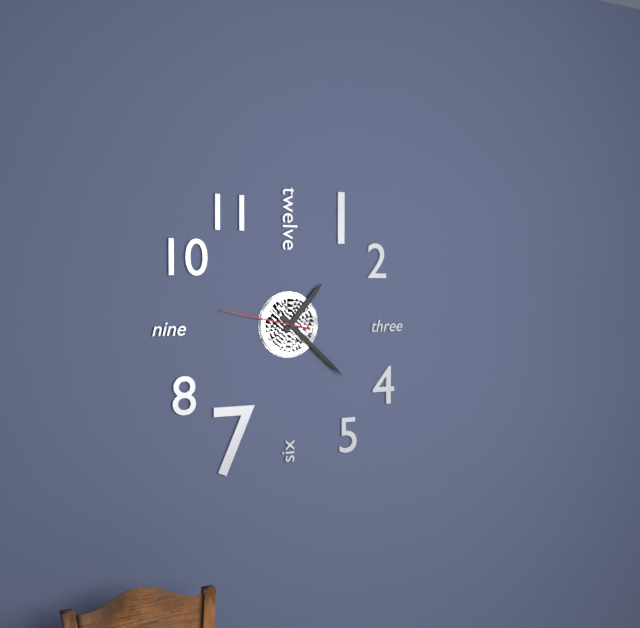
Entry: h=1 m=22 s=47
